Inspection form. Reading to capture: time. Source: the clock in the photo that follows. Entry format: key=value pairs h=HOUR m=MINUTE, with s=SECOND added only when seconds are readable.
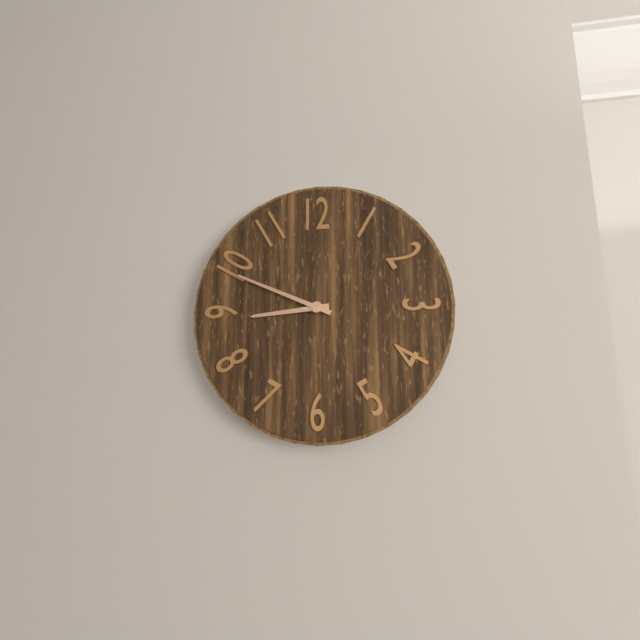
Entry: h=8 m=49
